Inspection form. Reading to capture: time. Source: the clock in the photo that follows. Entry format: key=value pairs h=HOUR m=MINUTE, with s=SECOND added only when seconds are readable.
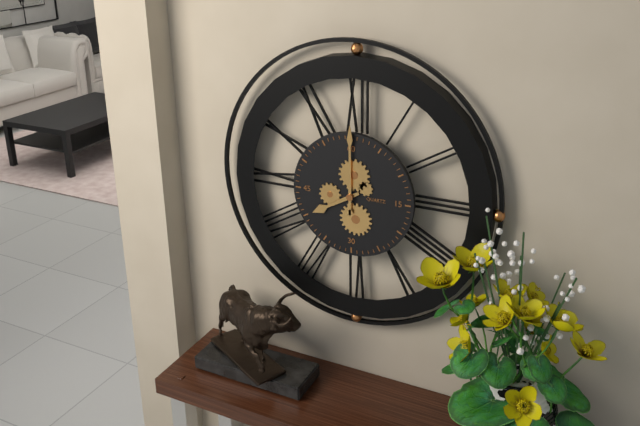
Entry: h=8 m=0
